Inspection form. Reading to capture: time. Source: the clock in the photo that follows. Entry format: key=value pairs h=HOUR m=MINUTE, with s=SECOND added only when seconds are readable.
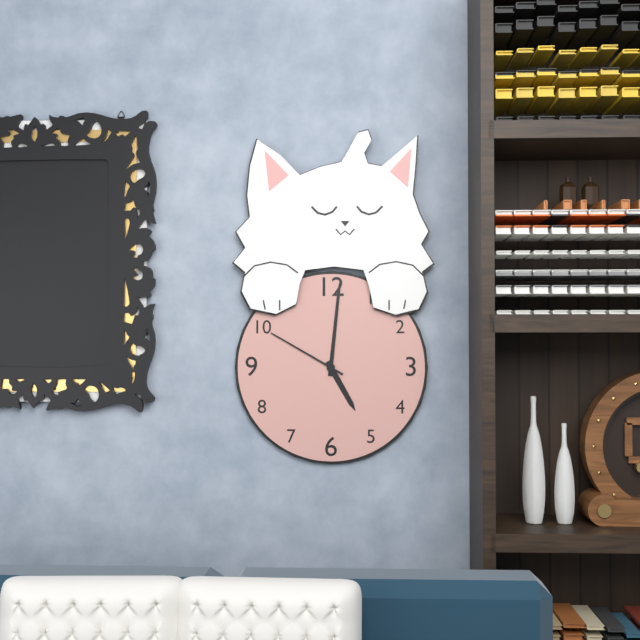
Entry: h=5 m=1 s=50
